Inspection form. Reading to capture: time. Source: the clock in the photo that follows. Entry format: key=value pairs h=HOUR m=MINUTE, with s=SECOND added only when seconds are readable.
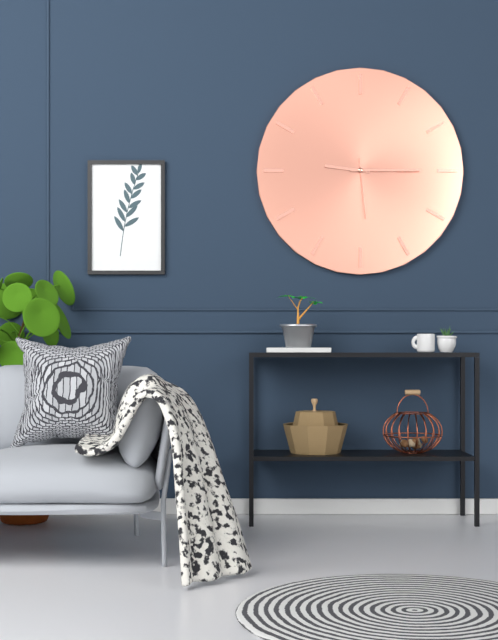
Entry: h=9 m=15 s=29
